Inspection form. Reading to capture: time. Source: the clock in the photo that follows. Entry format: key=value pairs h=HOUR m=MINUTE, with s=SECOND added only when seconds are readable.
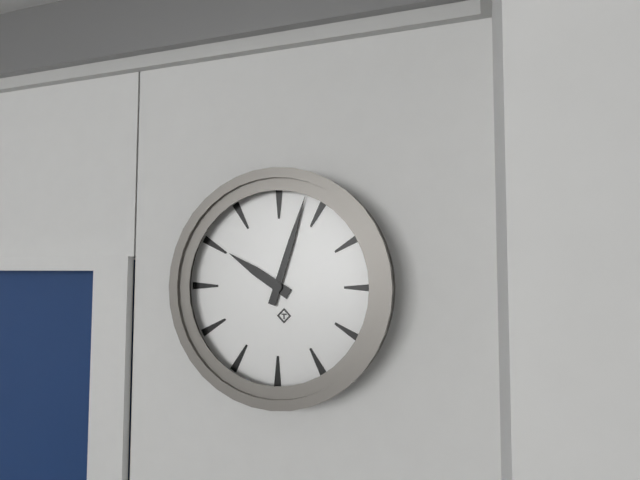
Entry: h=10 m=3
